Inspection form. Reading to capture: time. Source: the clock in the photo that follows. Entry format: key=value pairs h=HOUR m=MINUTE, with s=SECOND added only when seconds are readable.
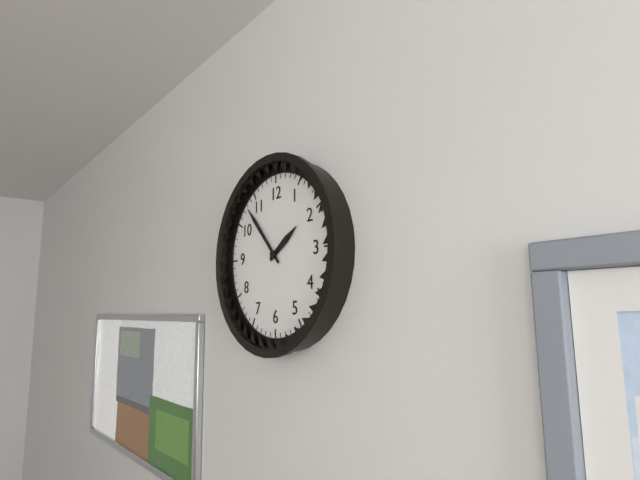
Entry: h=1 m=53
